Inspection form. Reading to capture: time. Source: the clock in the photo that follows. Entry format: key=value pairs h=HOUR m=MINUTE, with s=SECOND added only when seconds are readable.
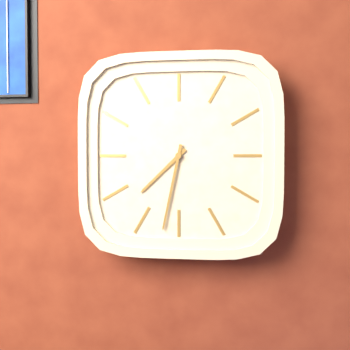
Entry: h=7 m=32
